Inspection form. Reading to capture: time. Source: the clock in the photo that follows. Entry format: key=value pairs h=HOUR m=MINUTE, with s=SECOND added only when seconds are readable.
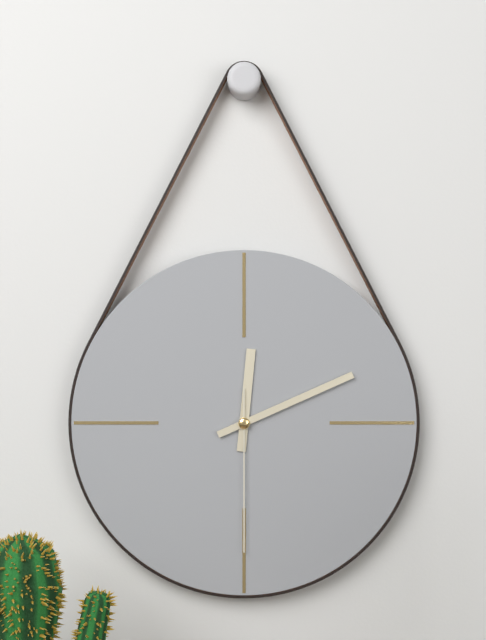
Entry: h=12 m=11 s=30
